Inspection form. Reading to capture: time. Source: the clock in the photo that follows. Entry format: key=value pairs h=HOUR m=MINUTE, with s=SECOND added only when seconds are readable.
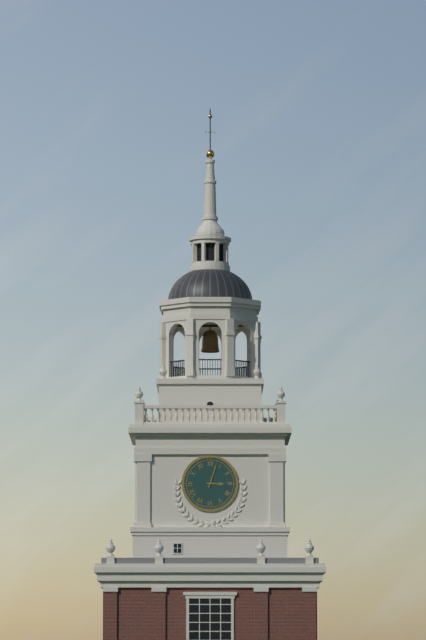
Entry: h=3 m=3
